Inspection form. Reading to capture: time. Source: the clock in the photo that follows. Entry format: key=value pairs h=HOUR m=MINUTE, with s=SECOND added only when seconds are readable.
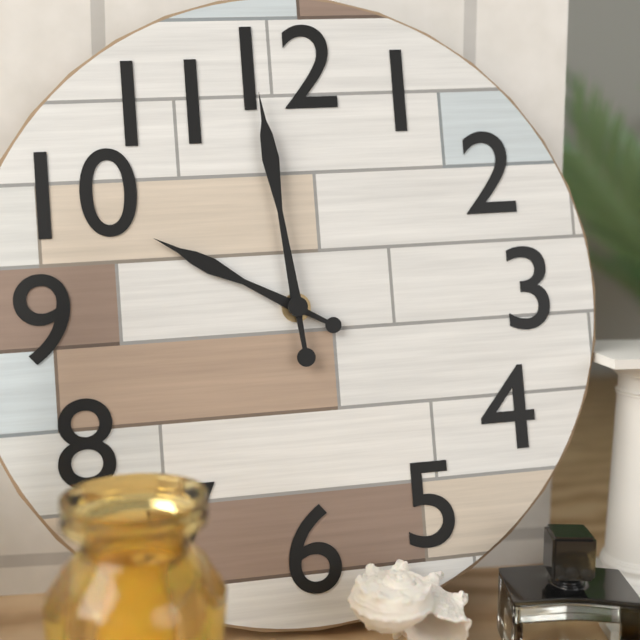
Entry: h=9 m=59
